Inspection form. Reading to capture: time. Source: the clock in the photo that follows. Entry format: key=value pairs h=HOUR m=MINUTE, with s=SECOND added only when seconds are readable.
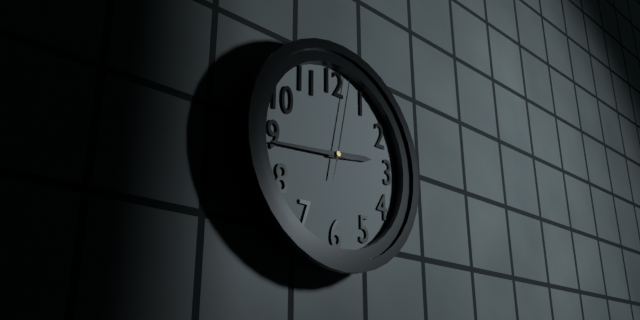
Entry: h=2 m=44 s=2
